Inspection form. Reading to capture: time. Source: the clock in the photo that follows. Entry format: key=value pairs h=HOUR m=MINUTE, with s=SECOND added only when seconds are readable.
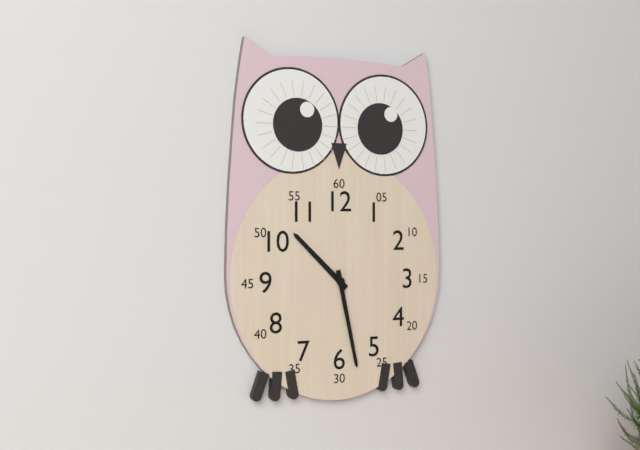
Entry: h=10 m=28
